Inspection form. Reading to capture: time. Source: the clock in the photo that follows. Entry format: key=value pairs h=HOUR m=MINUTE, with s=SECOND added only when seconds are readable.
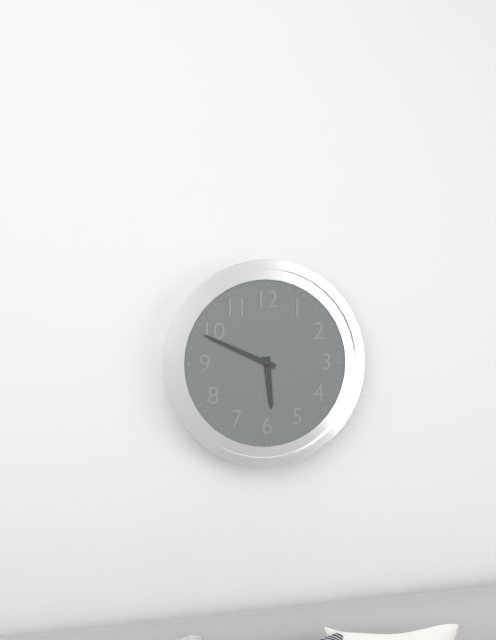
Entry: h=5 m=49
